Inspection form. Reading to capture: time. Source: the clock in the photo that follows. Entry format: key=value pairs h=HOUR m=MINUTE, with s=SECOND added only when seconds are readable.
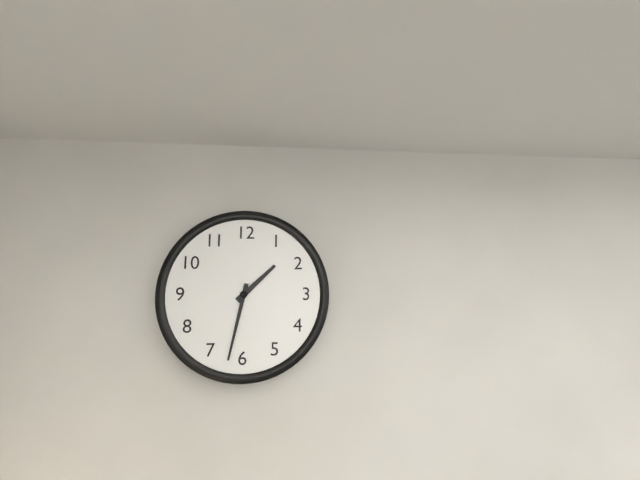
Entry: h=1 m=32
